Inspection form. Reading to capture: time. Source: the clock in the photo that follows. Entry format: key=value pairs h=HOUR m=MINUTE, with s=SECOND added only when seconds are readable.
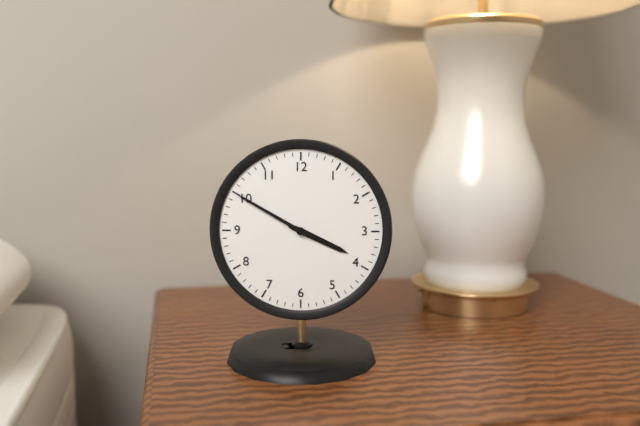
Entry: h=3 m=50
